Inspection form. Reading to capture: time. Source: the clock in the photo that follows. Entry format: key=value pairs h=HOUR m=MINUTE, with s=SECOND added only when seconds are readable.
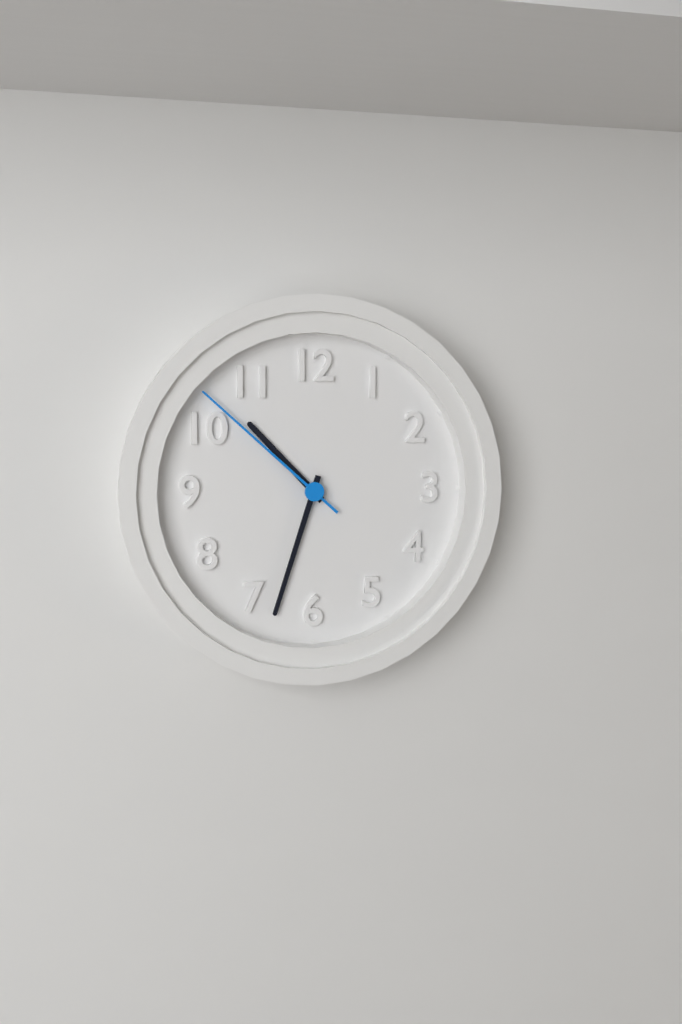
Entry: h=10 m=33 s=52
